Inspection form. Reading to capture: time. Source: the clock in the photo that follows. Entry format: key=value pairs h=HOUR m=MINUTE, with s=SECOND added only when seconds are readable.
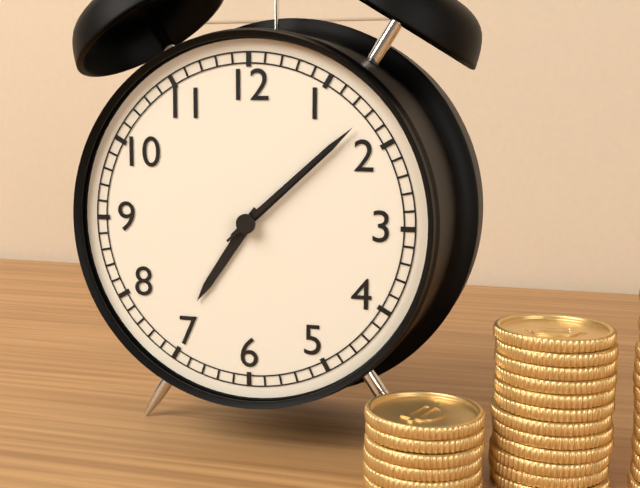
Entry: h=7 m=8 s=8
